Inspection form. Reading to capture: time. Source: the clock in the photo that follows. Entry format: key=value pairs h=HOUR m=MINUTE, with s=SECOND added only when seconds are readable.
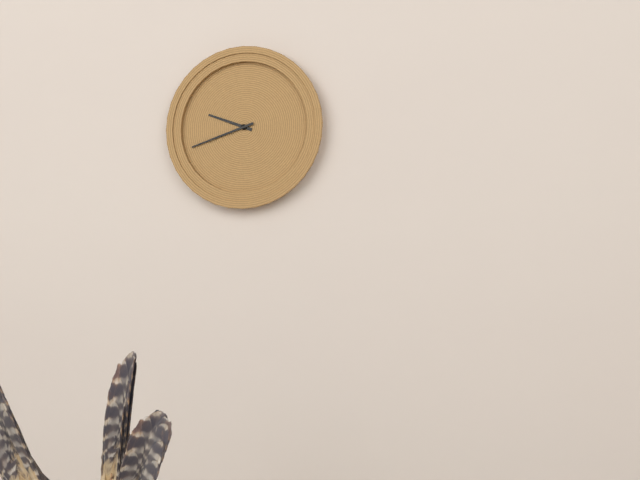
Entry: h=9 m=42
